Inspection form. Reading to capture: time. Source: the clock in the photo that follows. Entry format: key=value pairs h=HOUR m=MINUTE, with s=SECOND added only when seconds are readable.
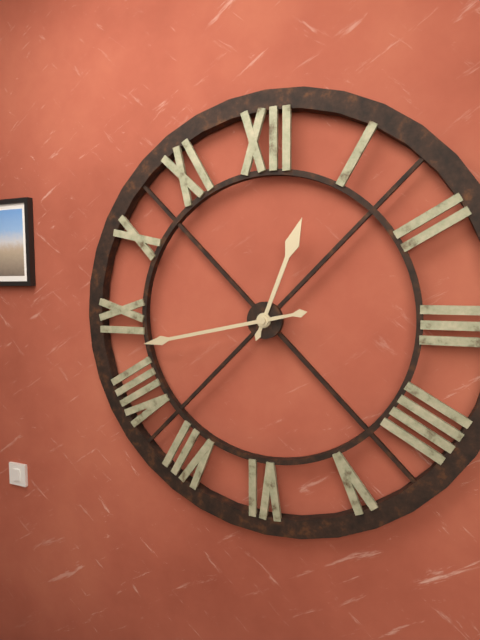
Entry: h=12 m=43
